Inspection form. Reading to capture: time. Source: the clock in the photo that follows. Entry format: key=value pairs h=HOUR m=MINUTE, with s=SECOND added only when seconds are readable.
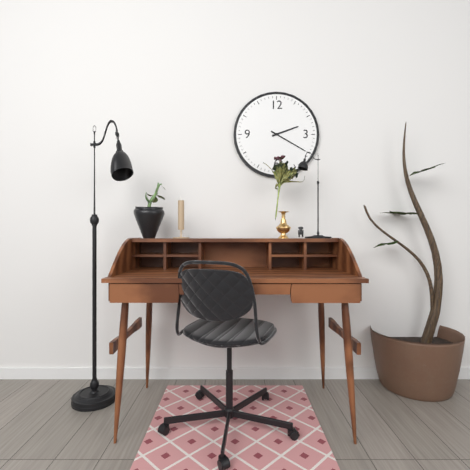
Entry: h=2 m=20
